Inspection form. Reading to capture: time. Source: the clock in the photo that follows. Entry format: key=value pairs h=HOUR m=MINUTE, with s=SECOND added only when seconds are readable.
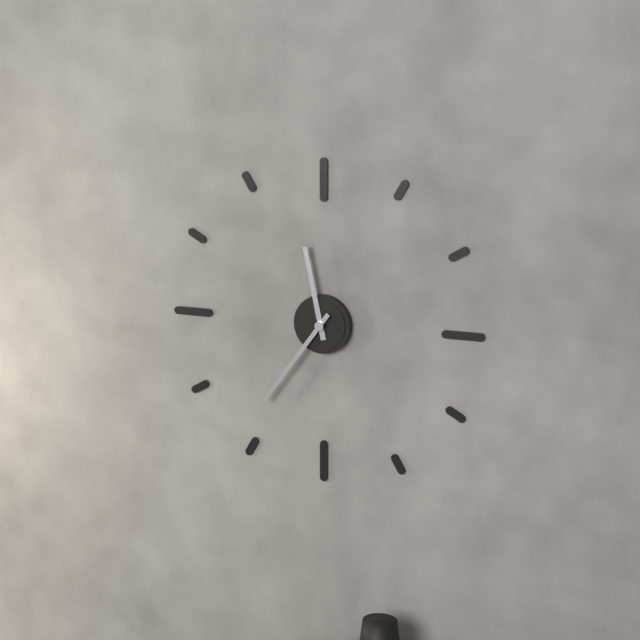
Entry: h=11 m=36
